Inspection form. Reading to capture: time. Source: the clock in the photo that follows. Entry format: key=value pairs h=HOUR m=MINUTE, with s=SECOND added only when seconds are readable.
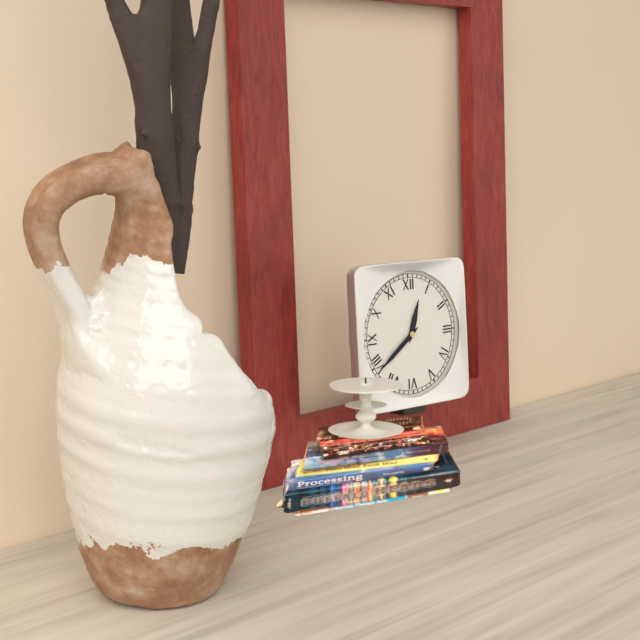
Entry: h=12 m=39
